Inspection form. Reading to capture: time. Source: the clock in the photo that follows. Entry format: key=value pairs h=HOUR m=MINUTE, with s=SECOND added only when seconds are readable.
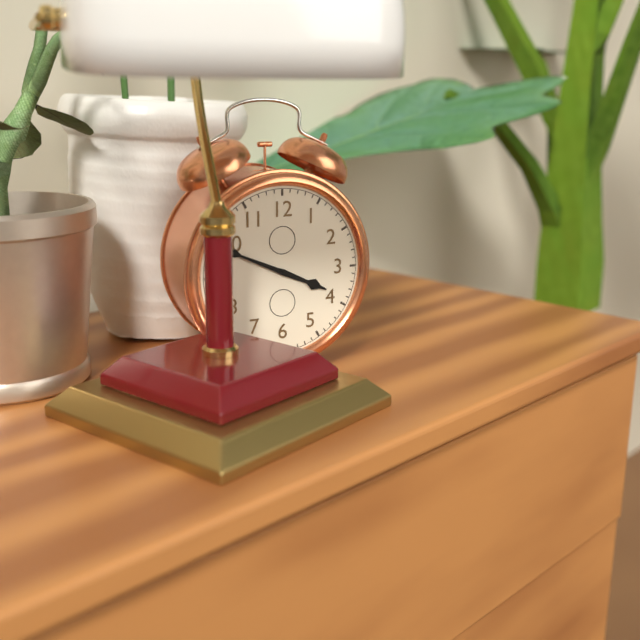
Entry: h=3 m=49
